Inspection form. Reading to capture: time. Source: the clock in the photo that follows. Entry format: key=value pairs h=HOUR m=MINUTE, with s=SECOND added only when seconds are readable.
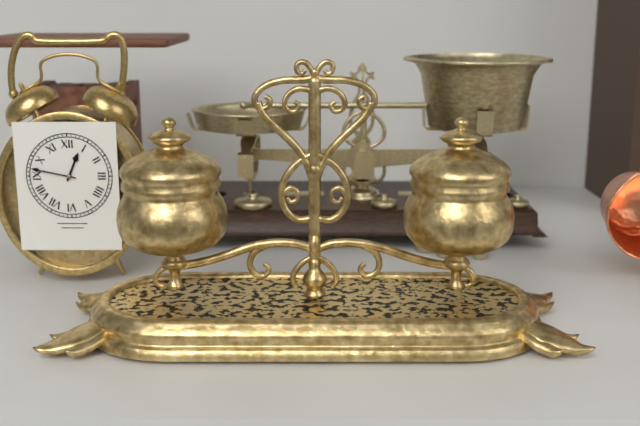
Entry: h=12 m=47
